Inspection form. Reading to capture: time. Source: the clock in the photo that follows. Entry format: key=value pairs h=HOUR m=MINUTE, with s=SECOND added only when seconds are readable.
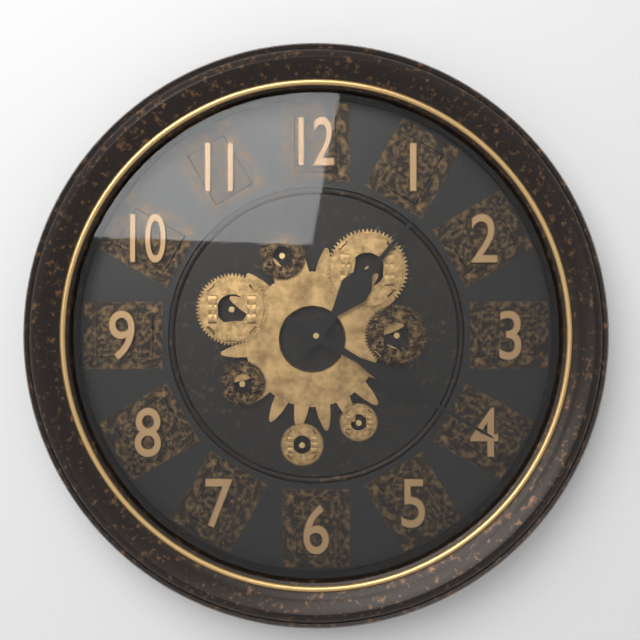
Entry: h=1 m=20
